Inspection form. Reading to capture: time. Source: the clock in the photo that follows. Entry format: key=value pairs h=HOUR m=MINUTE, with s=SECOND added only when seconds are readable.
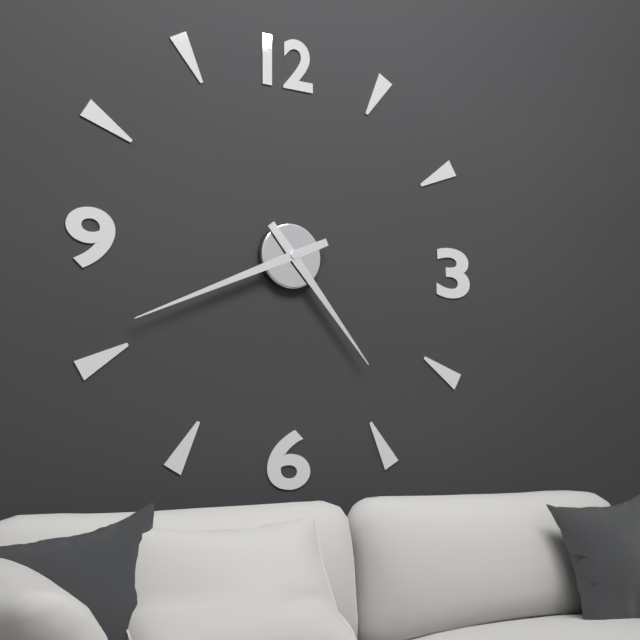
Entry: h=4 m=41
